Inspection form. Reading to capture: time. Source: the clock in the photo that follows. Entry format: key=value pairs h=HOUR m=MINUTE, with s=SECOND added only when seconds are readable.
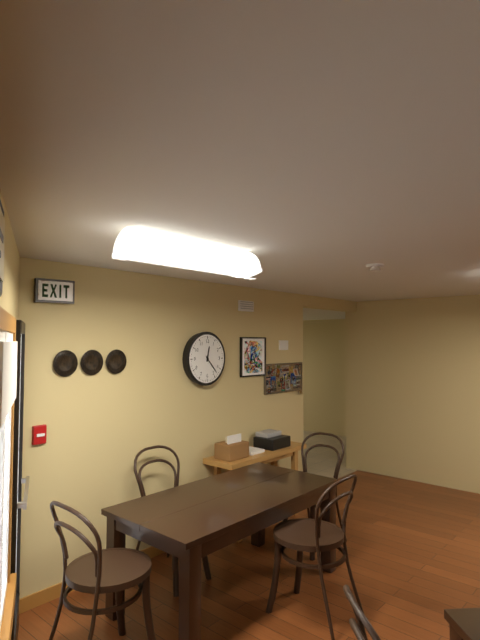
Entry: h=12 m=23
